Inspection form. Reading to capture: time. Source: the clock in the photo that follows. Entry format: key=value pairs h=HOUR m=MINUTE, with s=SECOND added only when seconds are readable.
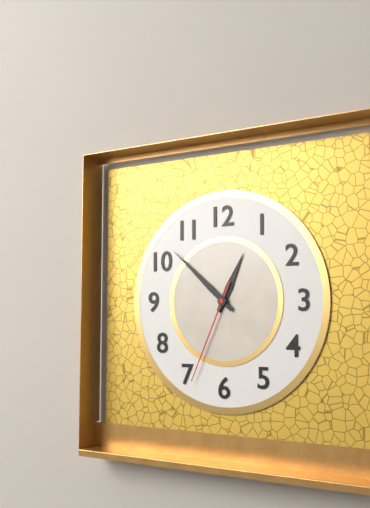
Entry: h=12 m=52 s=34
